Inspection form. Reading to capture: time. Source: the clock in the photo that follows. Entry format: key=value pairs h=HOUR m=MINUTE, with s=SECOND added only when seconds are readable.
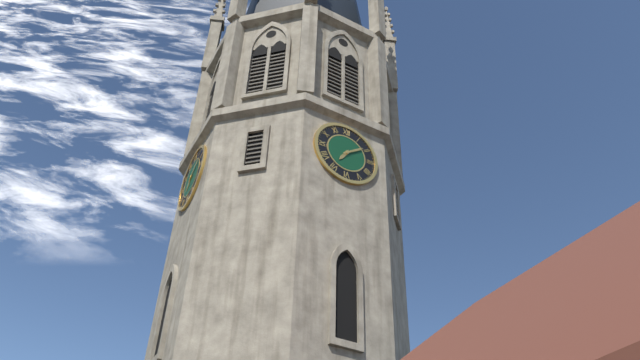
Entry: h=7 m=9
